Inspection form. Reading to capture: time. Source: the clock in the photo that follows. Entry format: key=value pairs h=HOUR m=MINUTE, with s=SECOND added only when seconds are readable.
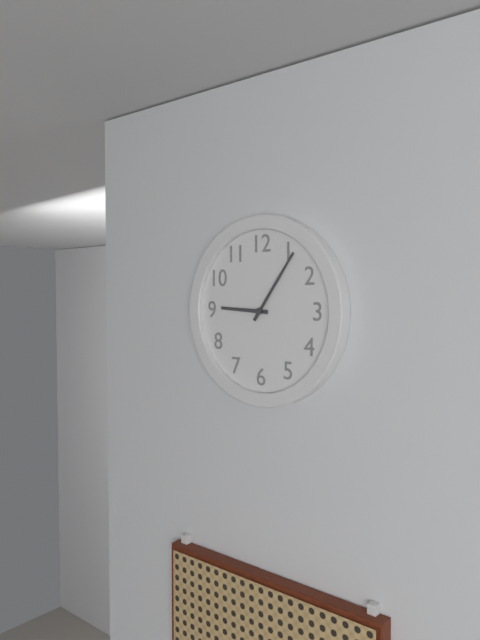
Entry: h=9 m=6
